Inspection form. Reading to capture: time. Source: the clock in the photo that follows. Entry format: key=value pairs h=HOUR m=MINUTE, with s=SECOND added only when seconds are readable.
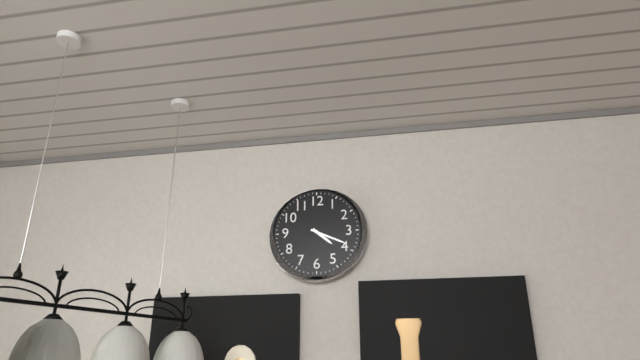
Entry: h=4 m=19
